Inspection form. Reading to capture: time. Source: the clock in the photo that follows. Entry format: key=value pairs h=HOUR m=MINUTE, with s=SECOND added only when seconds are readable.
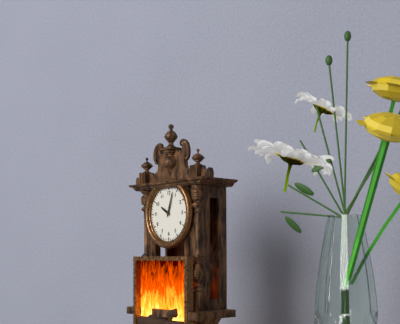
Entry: h=10 m=3
